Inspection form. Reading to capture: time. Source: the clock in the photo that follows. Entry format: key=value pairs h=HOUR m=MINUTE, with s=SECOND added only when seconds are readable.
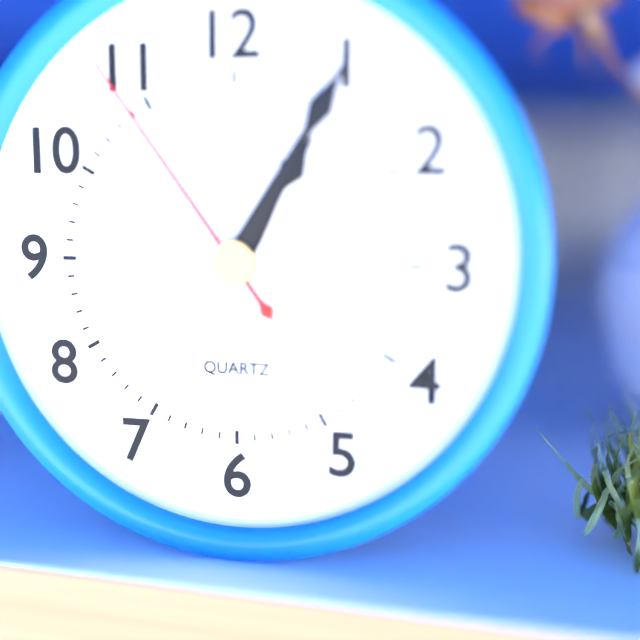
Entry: h=1 m=5 s=54
